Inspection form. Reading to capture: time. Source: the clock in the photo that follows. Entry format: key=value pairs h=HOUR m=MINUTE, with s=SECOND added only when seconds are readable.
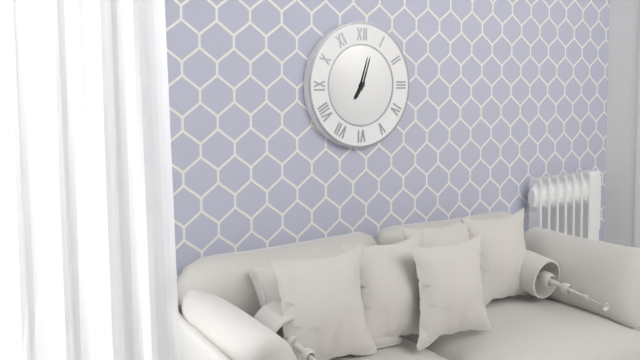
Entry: h=7 m=3
